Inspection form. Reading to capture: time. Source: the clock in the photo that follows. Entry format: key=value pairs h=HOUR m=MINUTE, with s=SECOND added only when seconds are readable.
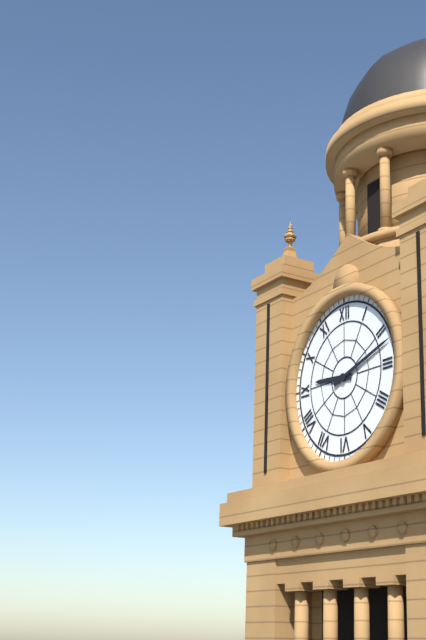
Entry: h=9 m=12
